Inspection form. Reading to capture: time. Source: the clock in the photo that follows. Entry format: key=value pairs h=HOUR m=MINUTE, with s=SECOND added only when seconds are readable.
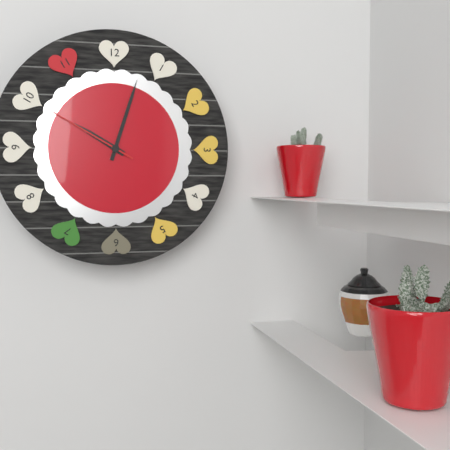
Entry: h=10 m=3 s=50
